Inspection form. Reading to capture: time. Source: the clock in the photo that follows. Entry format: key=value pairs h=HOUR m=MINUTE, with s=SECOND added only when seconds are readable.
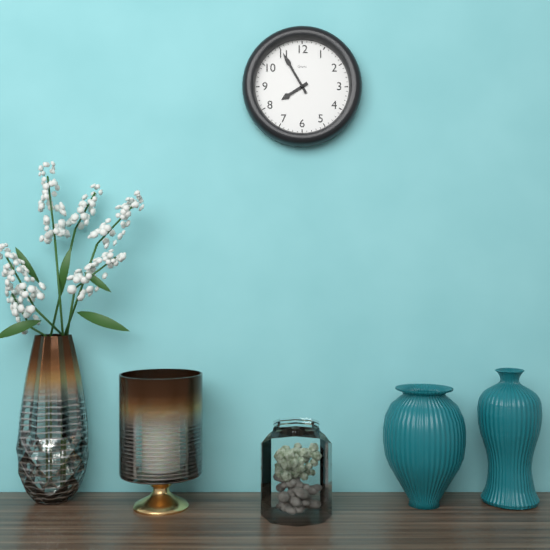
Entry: h=7 m=55
